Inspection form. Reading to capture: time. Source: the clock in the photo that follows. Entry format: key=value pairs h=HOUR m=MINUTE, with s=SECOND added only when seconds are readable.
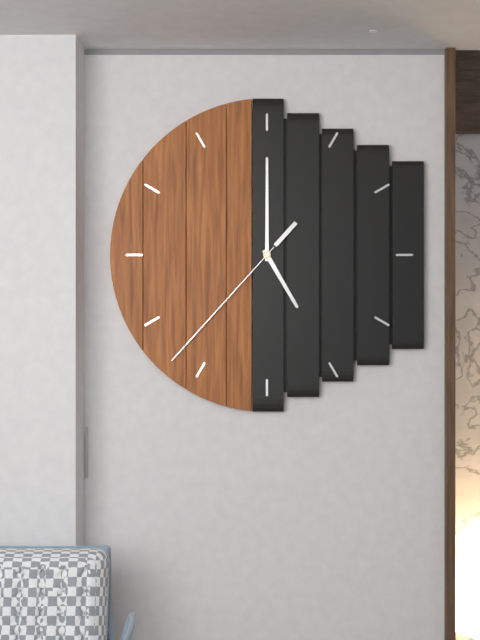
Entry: h=5 m=0 s=37
